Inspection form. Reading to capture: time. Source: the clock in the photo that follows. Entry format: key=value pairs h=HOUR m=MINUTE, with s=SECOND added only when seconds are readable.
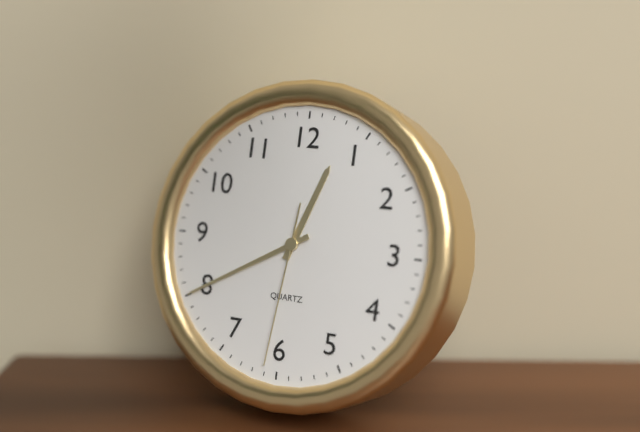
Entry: h=12 m=40 s=31
